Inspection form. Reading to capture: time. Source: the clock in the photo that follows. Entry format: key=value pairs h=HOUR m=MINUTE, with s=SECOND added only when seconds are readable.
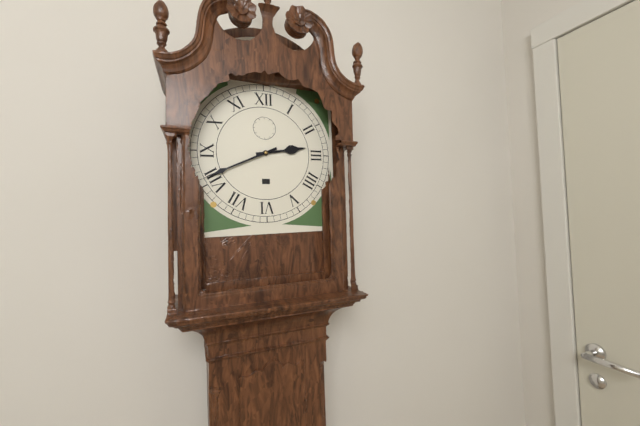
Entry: h=2 m=41
